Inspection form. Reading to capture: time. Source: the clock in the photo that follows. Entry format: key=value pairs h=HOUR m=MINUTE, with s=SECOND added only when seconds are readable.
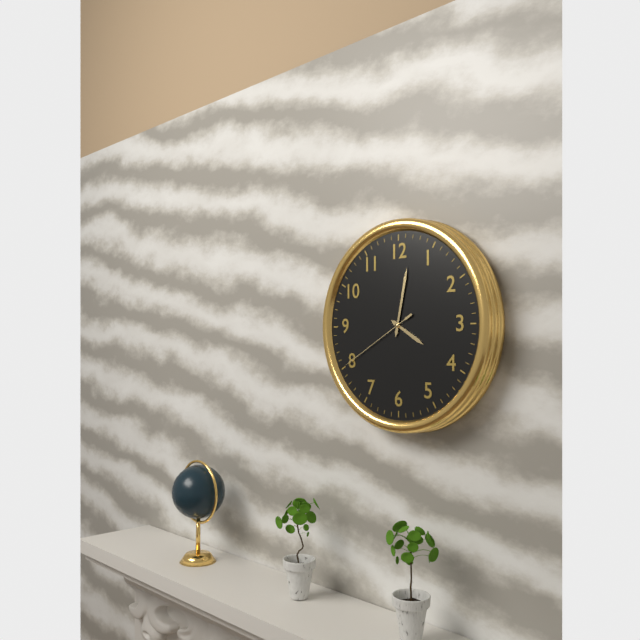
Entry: h=4 m=2 s=40
